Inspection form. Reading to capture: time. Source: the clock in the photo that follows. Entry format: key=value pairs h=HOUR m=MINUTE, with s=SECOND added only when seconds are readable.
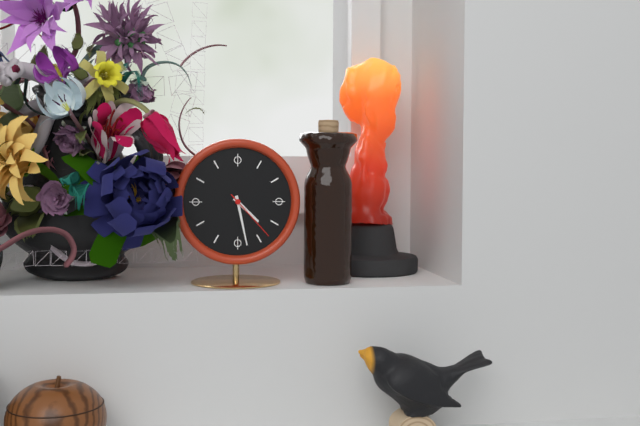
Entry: h=4 m=28 s=23
